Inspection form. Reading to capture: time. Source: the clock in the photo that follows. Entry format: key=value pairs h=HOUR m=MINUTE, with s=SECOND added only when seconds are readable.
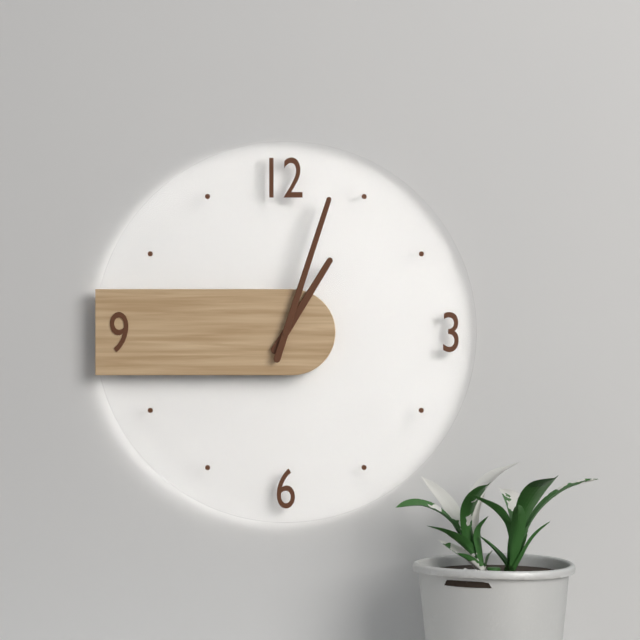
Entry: h=1 m=3
